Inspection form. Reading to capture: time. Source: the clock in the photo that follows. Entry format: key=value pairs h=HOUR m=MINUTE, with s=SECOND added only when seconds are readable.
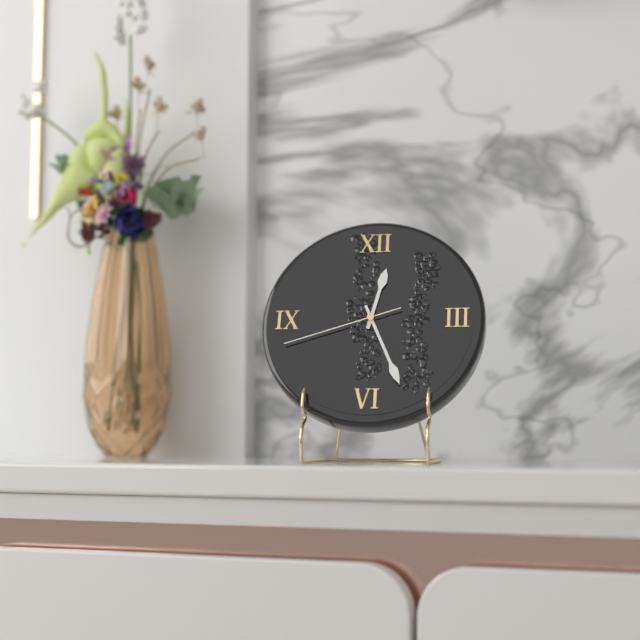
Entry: h=12 m=26 s=42
